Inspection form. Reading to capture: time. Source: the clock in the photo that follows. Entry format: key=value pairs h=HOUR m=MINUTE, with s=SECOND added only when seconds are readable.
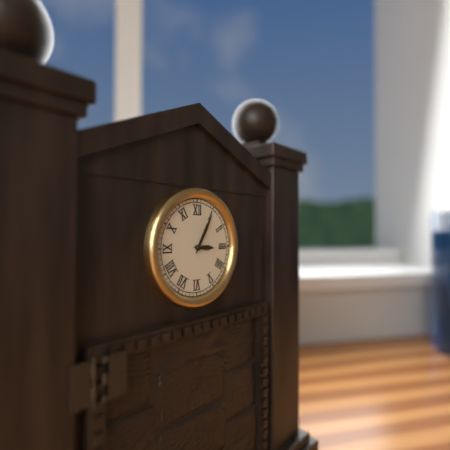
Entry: h=3 m=5
